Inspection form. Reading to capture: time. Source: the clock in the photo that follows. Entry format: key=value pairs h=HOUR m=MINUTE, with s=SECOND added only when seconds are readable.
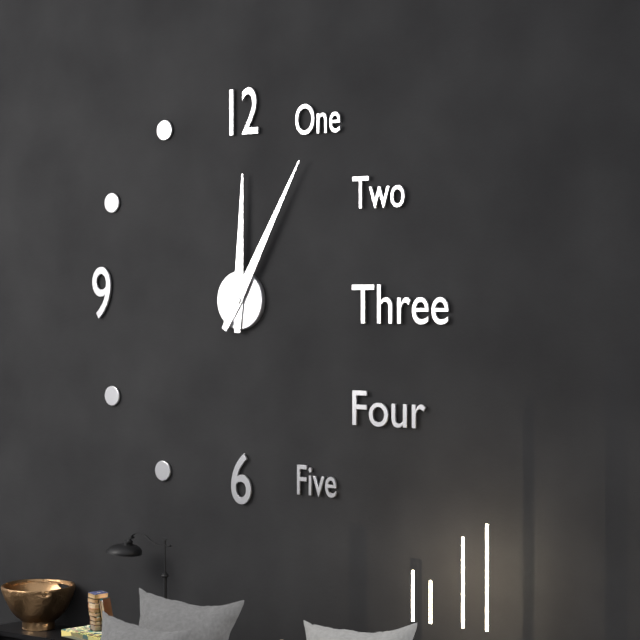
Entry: h=12 m=5
